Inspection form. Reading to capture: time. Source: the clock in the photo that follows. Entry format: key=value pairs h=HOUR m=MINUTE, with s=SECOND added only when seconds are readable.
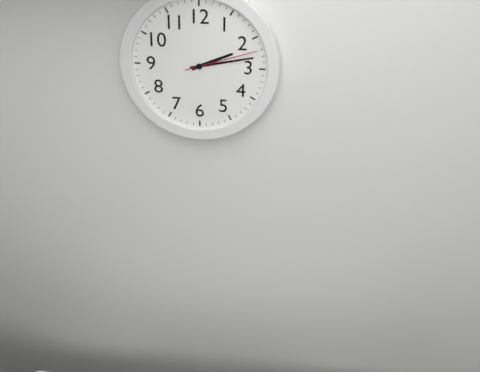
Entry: h=2 m=13 s=12
